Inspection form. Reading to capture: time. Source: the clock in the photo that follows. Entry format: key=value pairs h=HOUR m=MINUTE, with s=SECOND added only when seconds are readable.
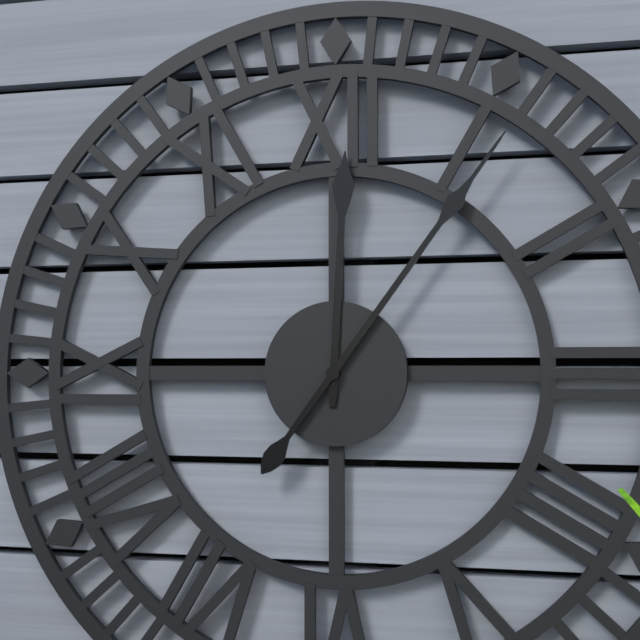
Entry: h=12 m=6
